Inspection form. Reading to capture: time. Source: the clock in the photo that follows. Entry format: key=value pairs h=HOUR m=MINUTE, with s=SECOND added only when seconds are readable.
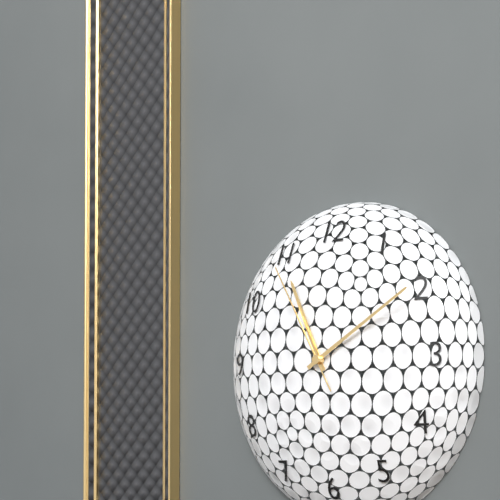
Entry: h=11 m=10 s=55
